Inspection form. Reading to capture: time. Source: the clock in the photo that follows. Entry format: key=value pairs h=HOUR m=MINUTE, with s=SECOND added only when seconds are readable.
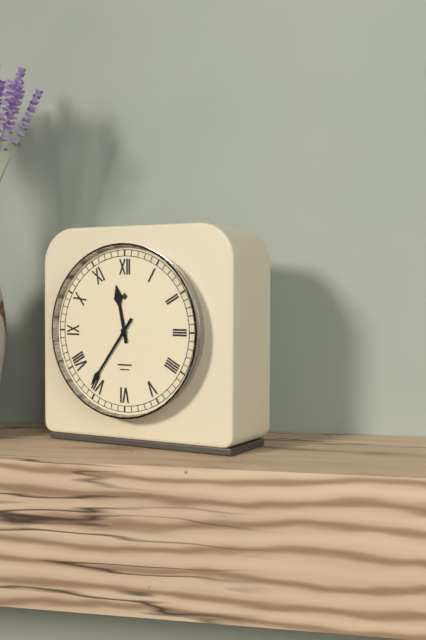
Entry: h=11 m=36
